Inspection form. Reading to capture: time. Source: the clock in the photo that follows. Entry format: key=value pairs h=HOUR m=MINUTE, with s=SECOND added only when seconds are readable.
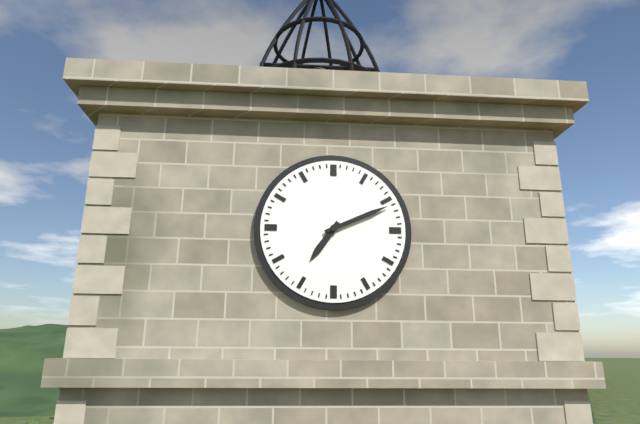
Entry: h=7 m=11
